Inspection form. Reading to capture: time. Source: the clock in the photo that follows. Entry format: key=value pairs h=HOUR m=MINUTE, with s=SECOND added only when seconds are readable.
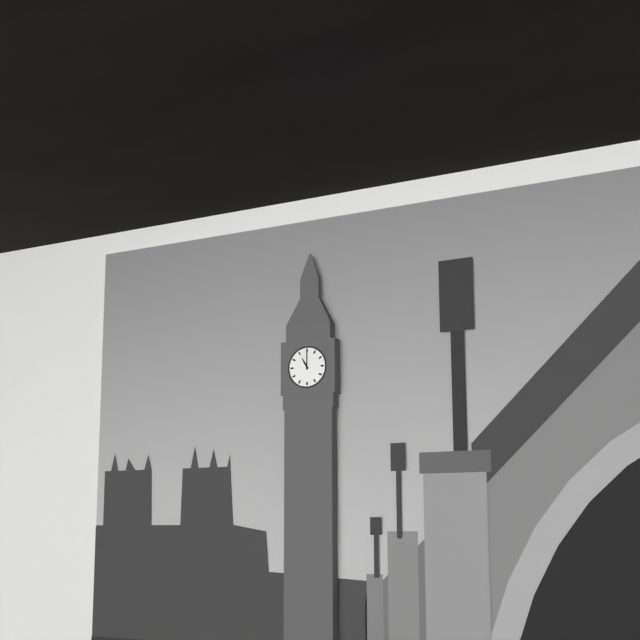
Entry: h=11 m=0
